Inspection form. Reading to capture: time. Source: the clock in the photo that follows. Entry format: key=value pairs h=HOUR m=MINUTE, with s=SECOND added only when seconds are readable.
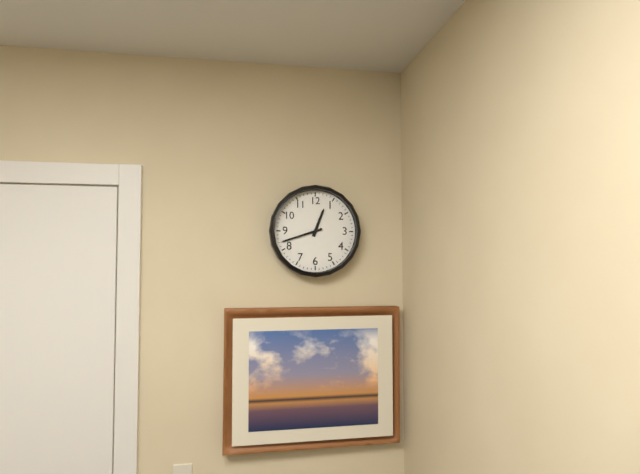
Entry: h=12 m=42
